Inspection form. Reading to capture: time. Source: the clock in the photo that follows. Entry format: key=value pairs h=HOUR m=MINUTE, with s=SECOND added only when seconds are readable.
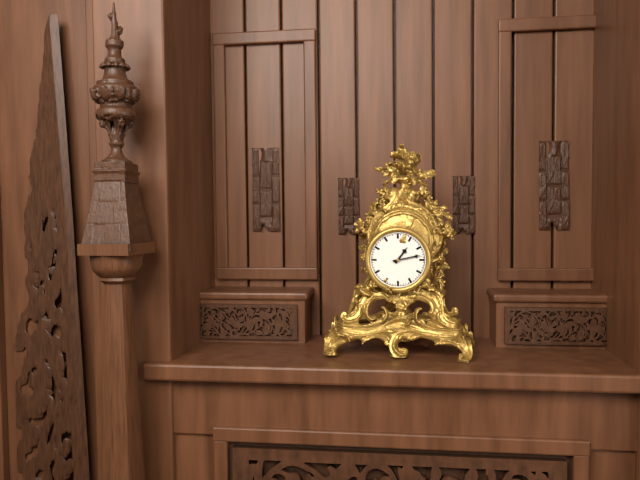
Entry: h=1 m=13
